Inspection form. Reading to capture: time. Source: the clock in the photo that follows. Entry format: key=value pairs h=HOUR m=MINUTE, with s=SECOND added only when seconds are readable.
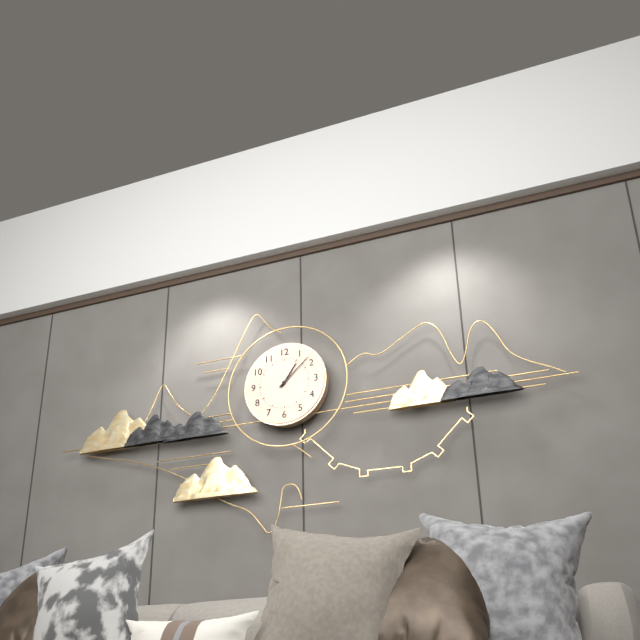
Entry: h=1 m=8
